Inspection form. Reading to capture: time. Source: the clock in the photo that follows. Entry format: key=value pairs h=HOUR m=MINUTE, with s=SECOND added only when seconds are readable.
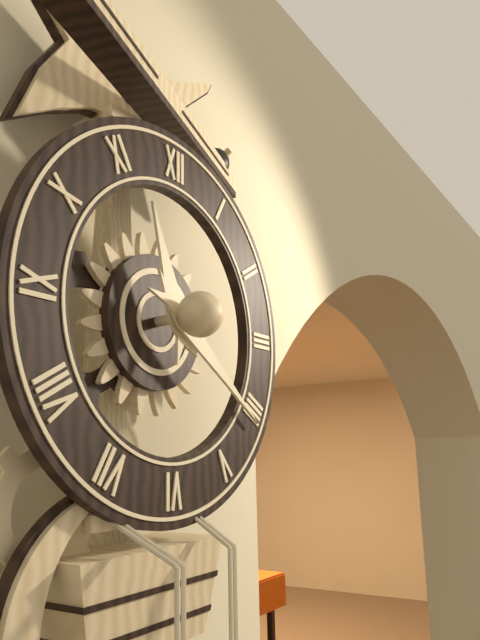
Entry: h=11 m=21
